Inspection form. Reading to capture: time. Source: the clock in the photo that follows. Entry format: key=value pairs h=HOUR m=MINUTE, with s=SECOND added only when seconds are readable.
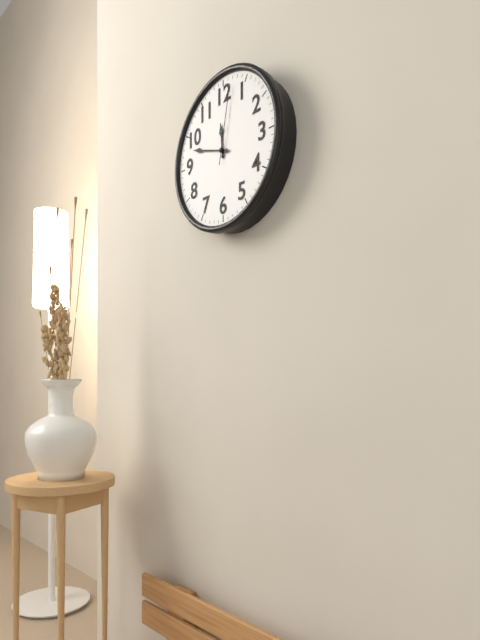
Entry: h=11 m=48 s=2
